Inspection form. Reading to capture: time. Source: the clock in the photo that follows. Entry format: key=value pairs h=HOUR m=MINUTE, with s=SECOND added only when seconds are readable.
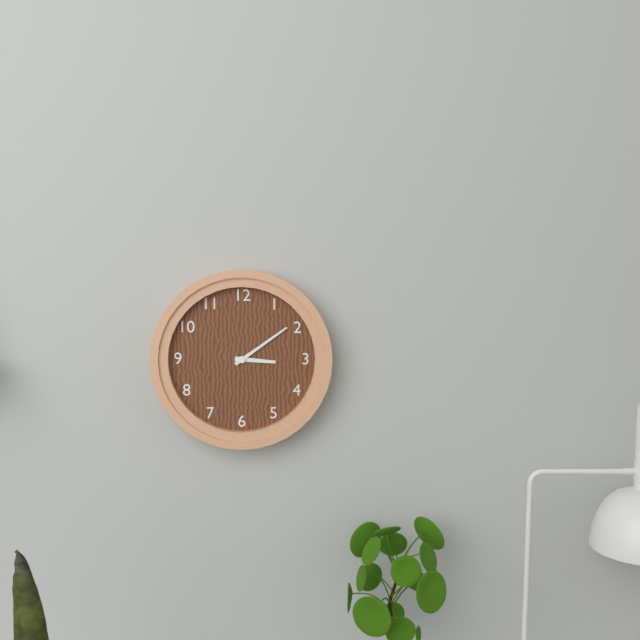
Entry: h=3 m=9
